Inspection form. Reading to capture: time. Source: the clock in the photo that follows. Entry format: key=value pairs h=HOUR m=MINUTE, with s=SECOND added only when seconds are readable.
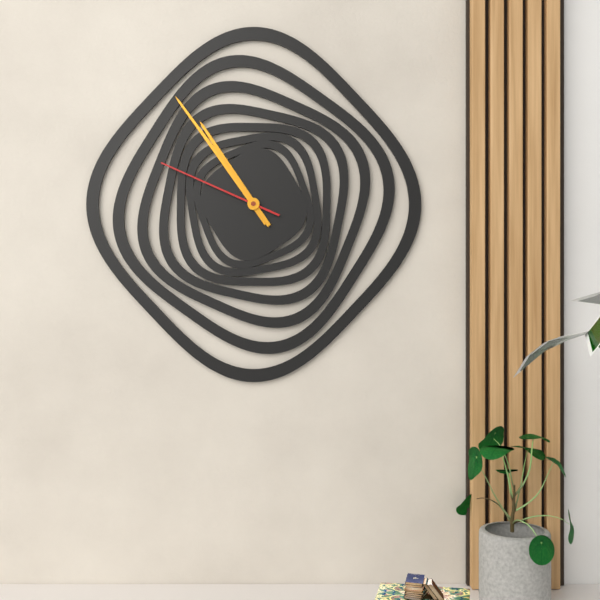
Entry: h=10 m=54 s=49
